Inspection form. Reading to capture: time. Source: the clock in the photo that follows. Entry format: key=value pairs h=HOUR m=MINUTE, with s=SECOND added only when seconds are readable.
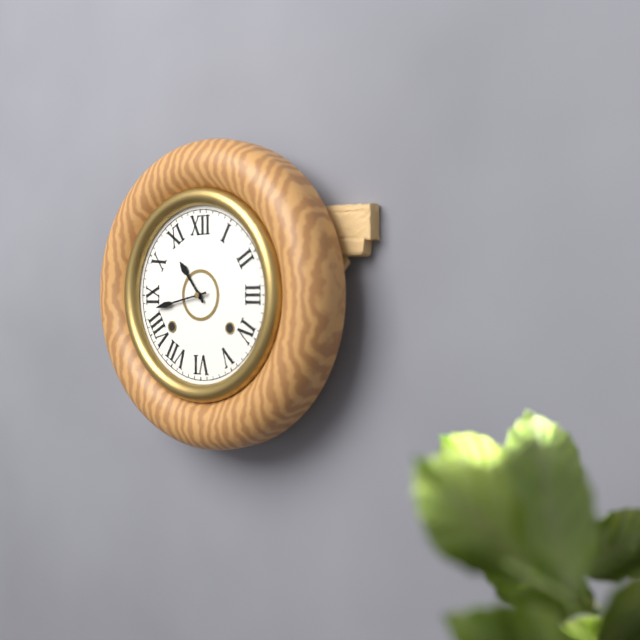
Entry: h=10 m=43
